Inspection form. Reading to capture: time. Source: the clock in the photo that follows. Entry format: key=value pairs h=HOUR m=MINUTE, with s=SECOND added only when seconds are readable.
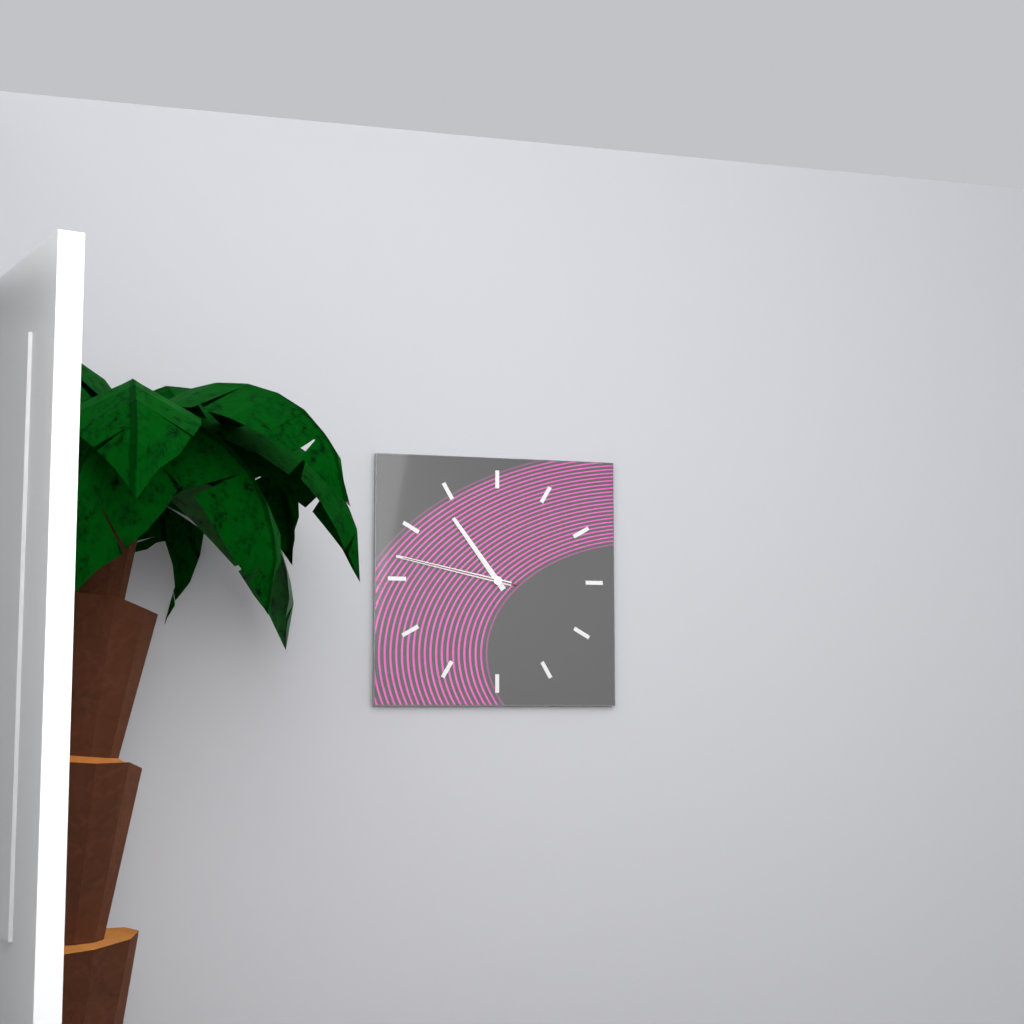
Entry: h=10 m=47 s=47
